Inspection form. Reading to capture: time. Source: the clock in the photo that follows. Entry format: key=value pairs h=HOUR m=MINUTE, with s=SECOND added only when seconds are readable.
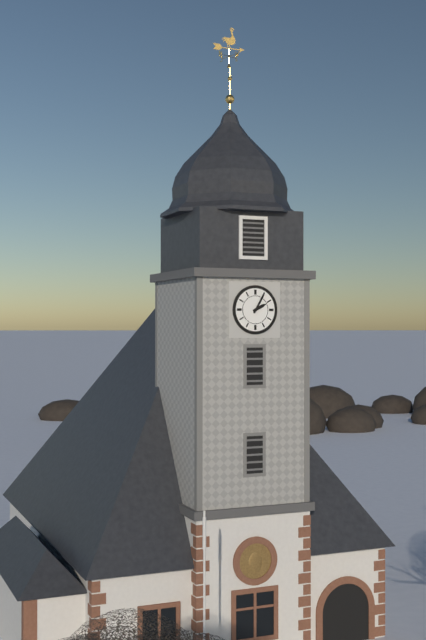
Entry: h=2 m=5
